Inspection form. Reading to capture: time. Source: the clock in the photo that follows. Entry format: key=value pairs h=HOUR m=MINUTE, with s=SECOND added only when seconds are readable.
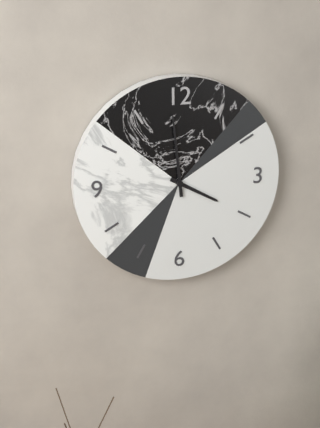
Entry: h=3 m=59
